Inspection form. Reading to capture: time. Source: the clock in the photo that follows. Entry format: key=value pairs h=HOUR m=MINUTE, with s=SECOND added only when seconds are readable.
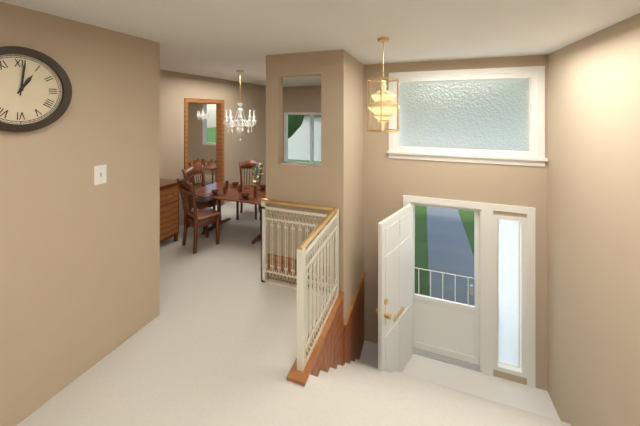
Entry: h=1 m=1
